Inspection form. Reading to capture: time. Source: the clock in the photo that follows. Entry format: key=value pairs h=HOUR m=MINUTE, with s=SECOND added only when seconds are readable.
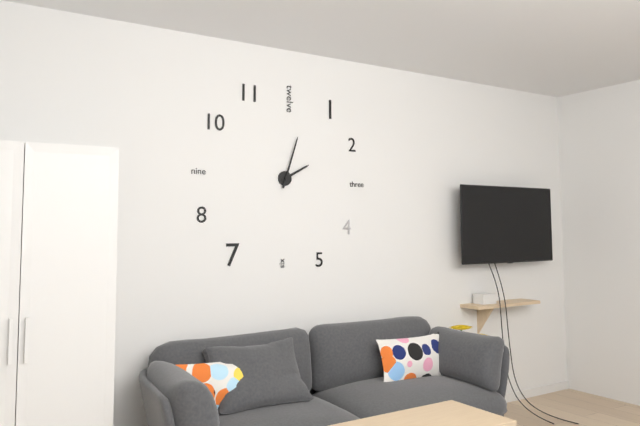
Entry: h=2 m=3
